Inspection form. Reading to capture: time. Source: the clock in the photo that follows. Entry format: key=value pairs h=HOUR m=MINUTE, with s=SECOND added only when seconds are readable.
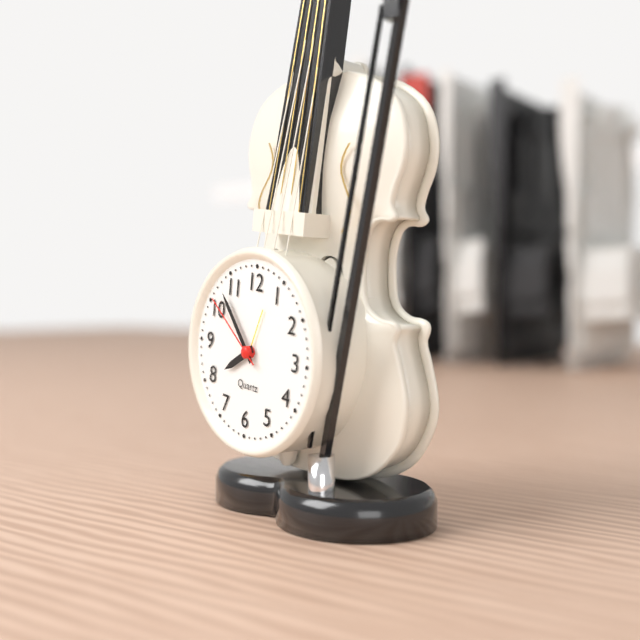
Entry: h=7 m=53 s=51
